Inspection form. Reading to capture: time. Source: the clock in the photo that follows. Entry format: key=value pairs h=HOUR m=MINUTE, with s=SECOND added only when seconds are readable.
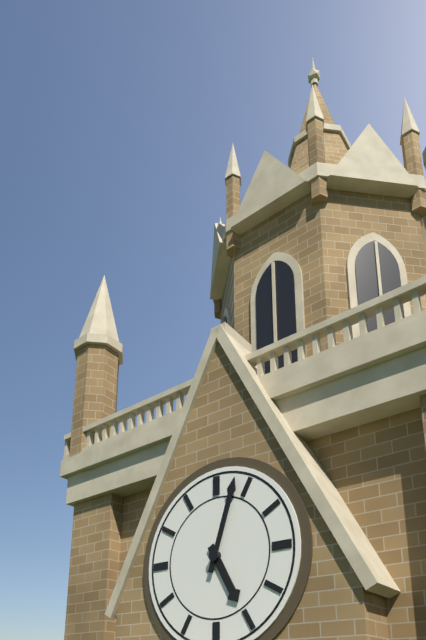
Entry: h=5 m=3
